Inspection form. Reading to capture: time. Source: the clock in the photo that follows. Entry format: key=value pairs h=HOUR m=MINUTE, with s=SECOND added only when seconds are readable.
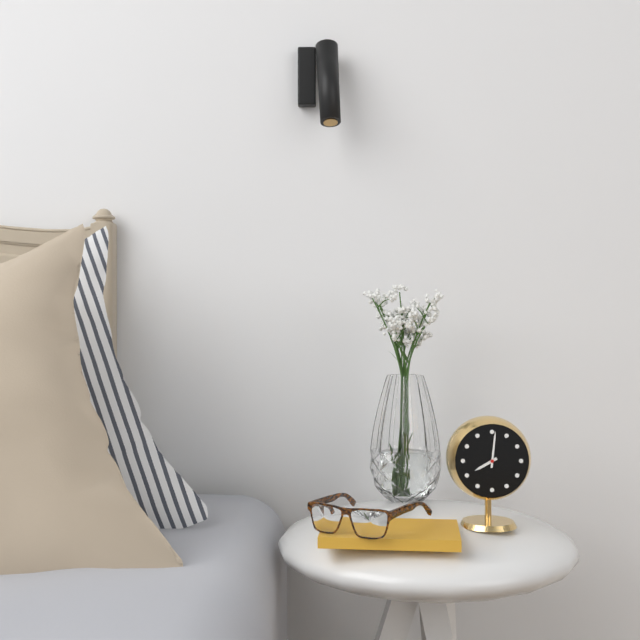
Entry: h=8 m=1
